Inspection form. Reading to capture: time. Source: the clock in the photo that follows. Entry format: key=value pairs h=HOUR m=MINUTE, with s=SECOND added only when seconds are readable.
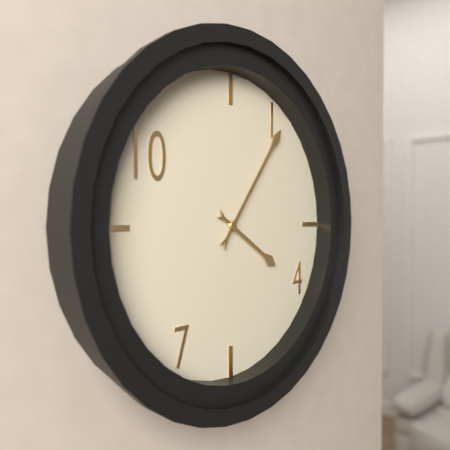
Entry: h=4 m=6
